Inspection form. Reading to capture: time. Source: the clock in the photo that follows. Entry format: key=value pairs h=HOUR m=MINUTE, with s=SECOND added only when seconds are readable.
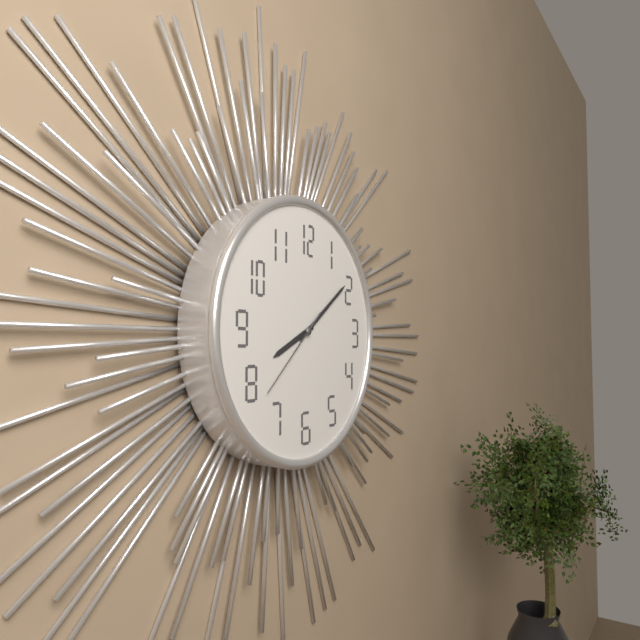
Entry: h=8 m=9 s=38
